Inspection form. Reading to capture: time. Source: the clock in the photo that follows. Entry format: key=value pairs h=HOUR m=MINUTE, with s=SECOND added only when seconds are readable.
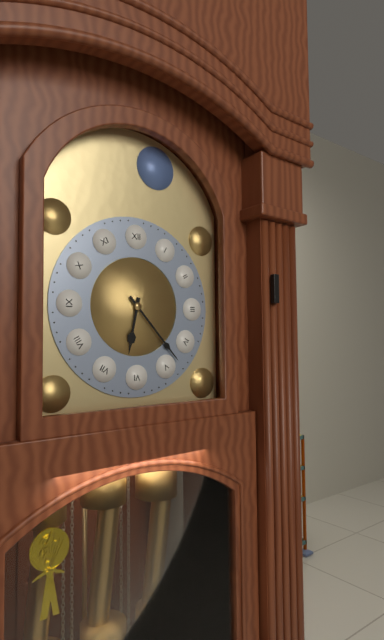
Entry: h=6 m=23
